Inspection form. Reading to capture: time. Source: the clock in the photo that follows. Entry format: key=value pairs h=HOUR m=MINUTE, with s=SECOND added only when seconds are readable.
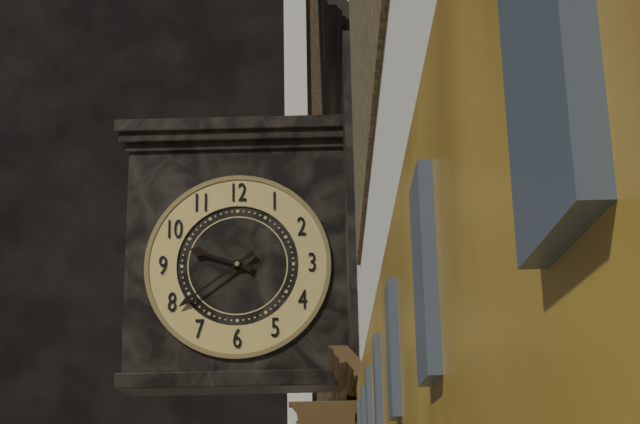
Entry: h=9 m=39
